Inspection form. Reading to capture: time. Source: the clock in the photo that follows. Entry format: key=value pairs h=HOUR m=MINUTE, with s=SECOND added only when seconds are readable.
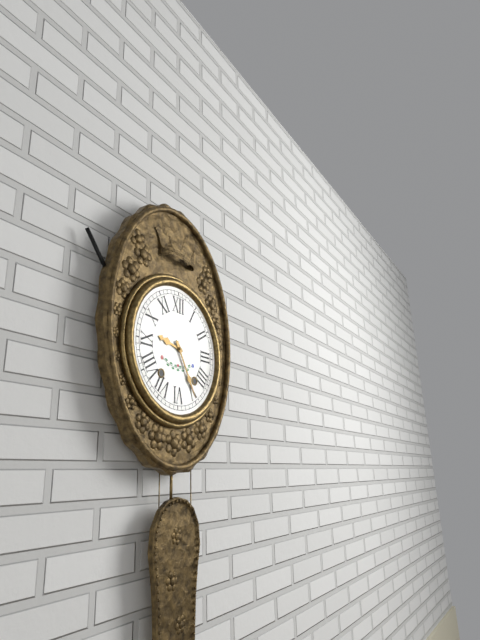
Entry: h=9 m=25
